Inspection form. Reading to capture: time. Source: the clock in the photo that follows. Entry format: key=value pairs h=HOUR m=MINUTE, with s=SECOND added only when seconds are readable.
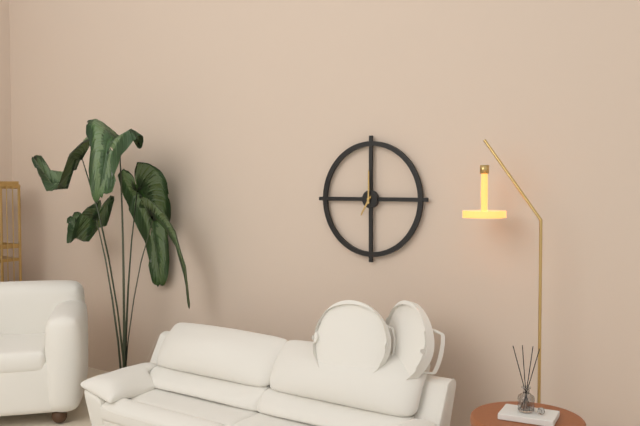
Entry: h=7 m=0
